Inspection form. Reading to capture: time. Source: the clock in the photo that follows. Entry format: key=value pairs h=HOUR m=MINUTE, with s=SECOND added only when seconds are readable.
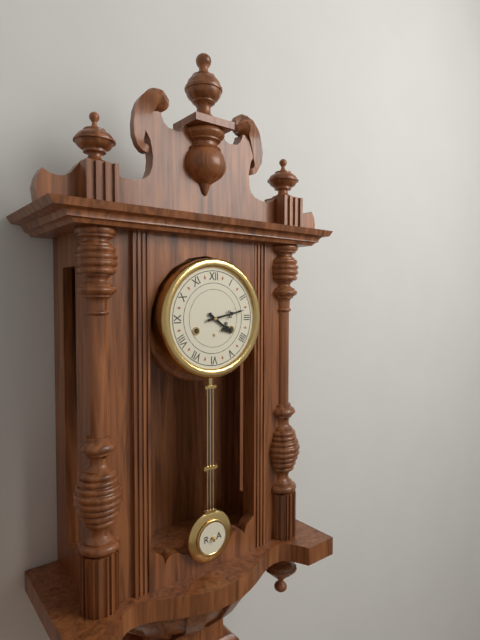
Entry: h=4 m=13
